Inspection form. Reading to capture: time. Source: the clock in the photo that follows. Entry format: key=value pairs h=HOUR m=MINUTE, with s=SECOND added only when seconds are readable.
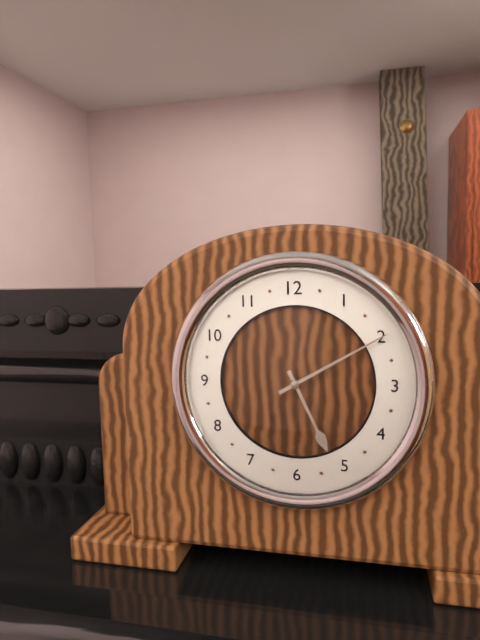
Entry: h=5 m=10
